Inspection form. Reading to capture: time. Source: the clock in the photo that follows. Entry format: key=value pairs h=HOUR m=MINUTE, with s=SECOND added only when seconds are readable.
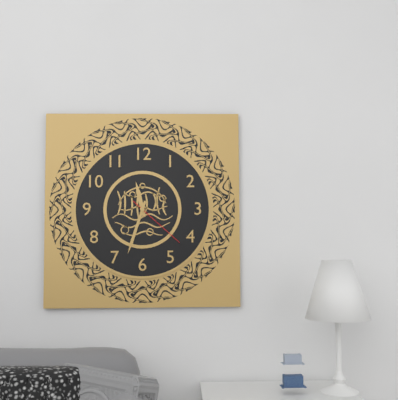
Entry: h=11 m=33 s=22
